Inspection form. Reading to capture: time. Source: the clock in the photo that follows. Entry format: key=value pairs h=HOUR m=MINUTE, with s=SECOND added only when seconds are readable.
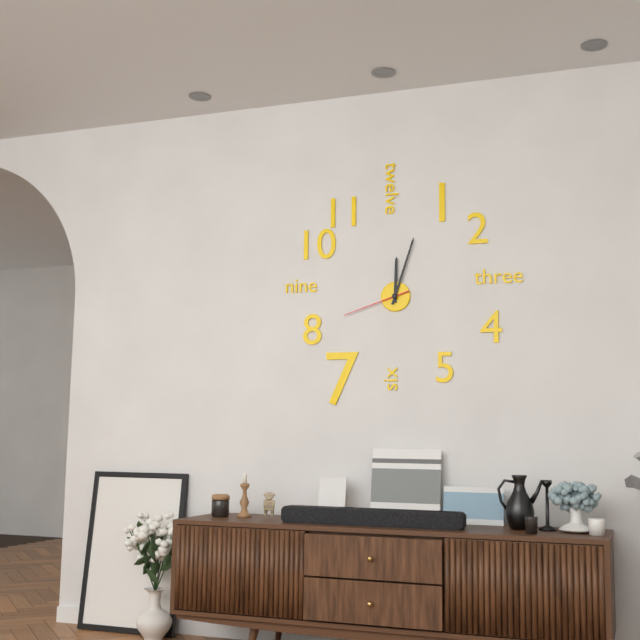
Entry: h=12 m=3 s=42
